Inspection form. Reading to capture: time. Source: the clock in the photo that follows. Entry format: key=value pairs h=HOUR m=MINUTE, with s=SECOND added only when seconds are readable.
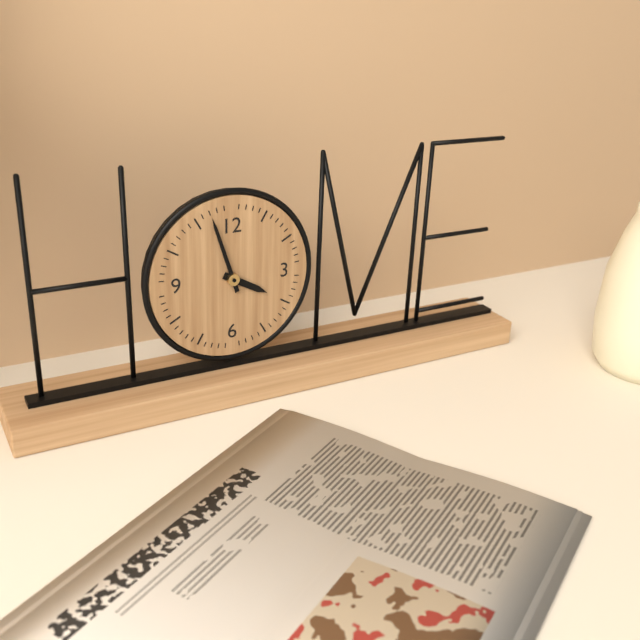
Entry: h=3 m=57
